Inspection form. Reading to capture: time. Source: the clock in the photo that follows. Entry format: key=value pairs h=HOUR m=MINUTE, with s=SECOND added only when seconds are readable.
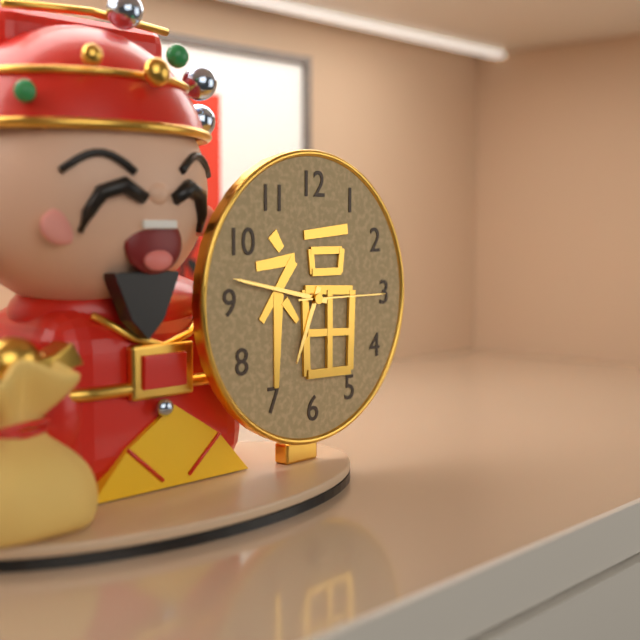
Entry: h=6 m=47 s=15
